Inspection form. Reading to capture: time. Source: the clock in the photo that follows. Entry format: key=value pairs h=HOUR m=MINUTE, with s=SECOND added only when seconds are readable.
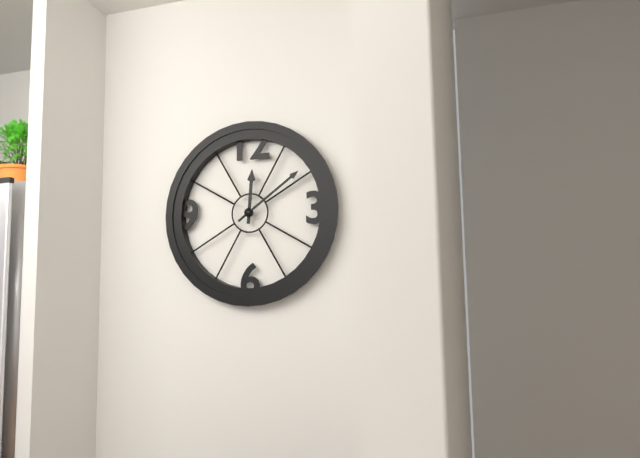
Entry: h=12 m=9
